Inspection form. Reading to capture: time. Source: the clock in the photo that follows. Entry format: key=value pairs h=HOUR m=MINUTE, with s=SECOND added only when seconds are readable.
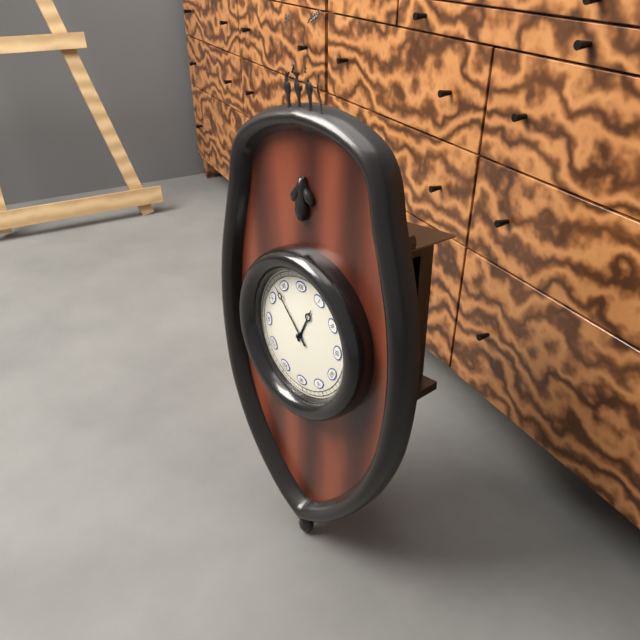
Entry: h=12 m=53
